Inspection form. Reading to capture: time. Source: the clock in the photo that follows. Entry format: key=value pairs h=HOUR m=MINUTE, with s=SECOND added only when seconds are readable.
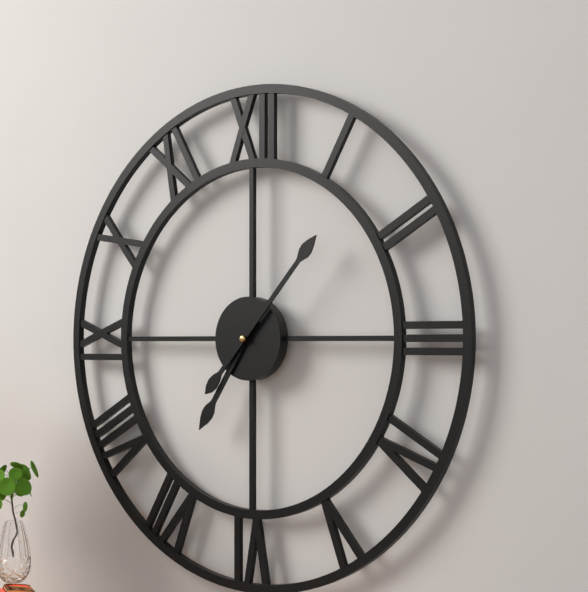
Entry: h=7 m=7
